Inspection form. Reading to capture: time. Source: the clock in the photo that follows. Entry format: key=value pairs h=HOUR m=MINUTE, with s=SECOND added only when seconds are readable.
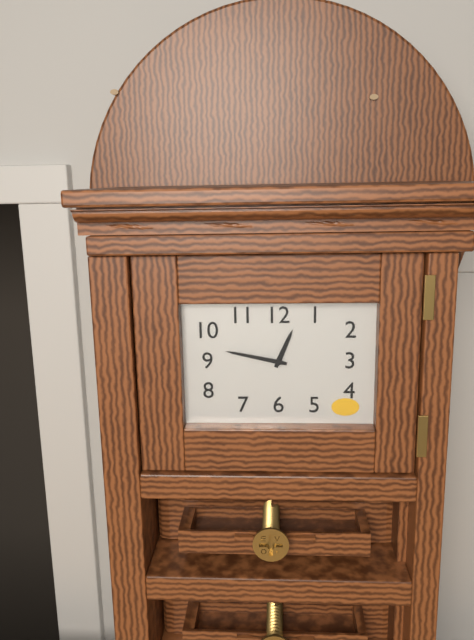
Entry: h=12 m=47
